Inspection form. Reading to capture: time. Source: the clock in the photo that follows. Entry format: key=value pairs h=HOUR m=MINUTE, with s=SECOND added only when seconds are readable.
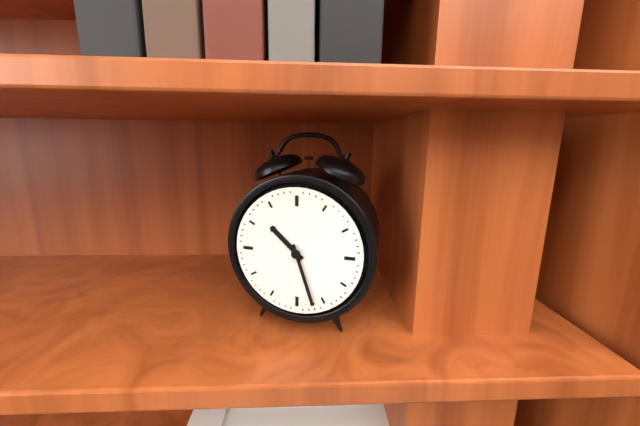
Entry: h=10 m=27
